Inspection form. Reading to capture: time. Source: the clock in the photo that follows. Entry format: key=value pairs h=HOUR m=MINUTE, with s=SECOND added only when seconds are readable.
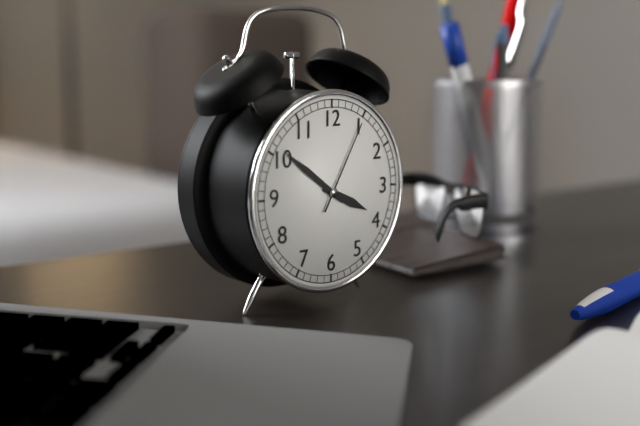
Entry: h=3 m=51 s=5
